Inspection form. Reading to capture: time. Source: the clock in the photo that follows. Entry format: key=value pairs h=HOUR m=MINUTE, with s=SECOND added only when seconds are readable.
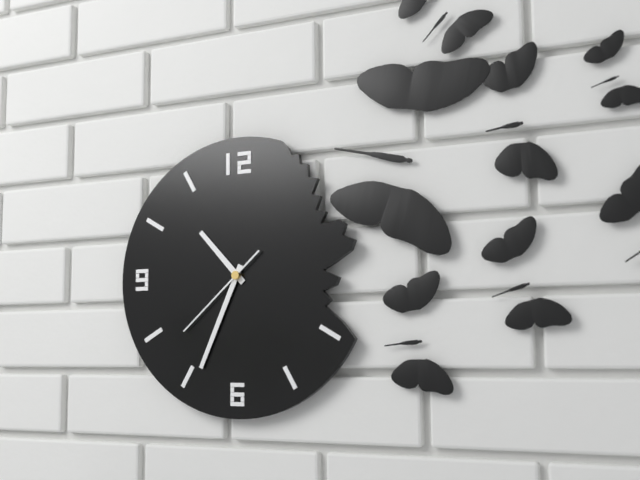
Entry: h=10 m=34 s=38
